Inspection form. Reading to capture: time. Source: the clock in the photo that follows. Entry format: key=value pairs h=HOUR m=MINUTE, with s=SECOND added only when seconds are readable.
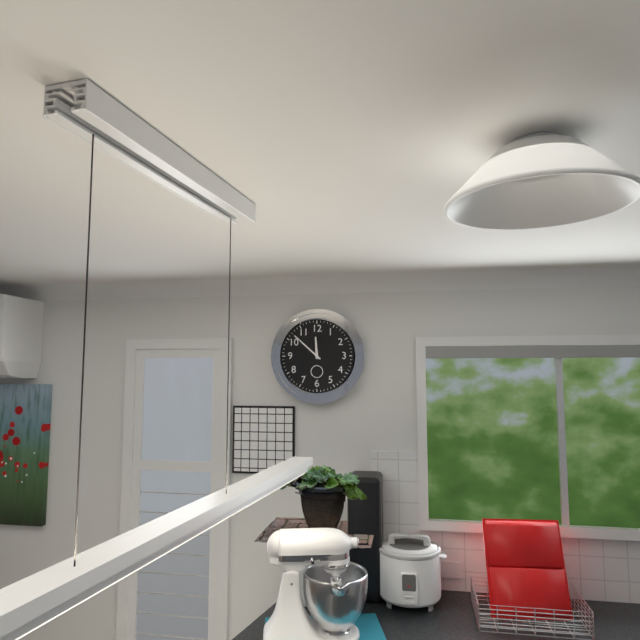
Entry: h=11 m=52
